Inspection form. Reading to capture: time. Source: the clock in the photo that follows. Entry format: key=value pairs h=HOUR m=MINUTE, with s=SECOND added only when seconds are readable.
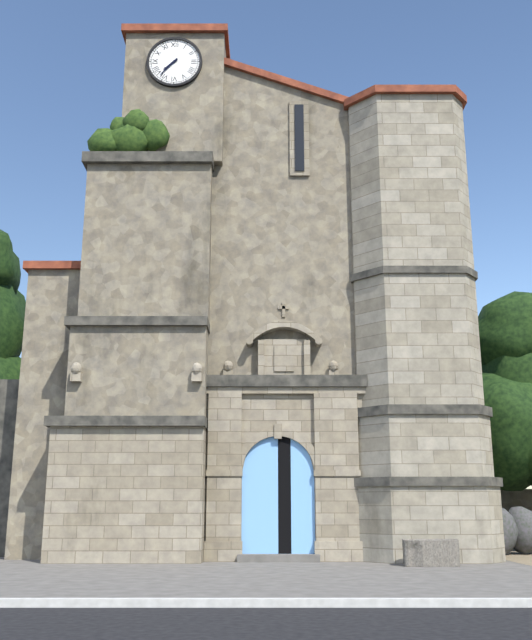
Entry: h=7 m=37
